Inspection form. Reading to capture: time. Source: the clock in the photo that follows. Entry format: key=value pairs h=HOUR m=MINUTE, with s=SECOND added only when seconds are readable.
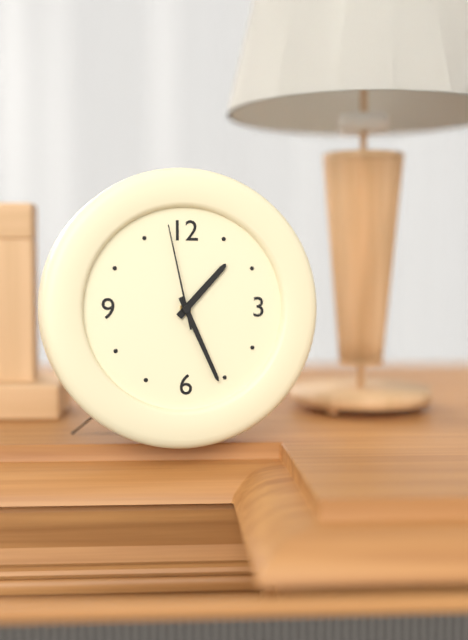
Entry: h=1 m=26 s=58
